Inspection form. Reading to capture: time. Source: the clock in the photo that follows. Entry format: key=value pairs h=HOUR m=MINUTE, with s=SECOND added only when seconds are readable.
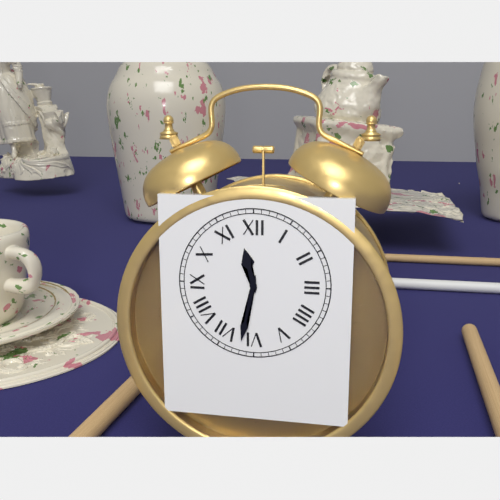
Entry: h=11 m=32
